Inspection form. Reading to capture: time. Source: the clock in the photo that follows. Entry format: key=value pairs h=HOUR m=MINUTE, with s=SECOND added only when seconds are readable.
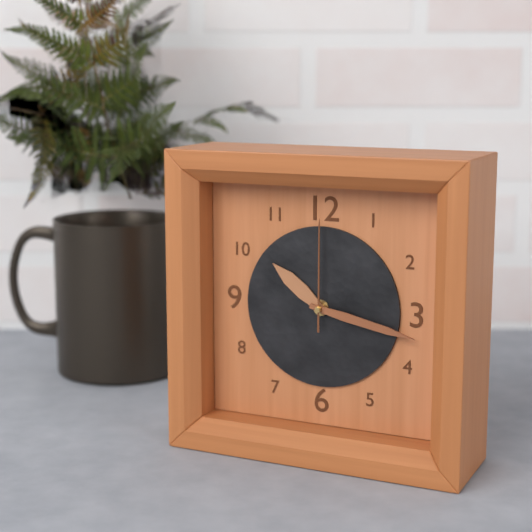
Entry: h=10 m=17 s=0
